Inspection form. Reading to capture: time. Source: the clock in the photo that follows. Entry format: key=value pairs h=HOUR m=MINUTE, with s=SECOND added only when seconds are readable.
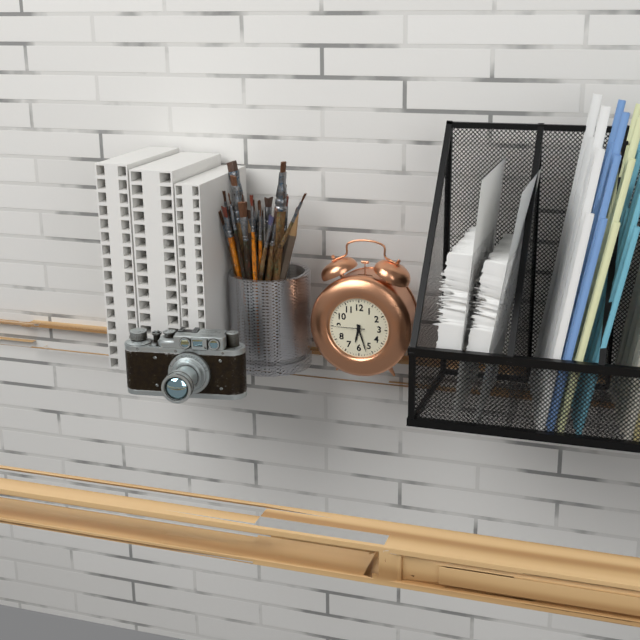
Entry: h=6 m=27
